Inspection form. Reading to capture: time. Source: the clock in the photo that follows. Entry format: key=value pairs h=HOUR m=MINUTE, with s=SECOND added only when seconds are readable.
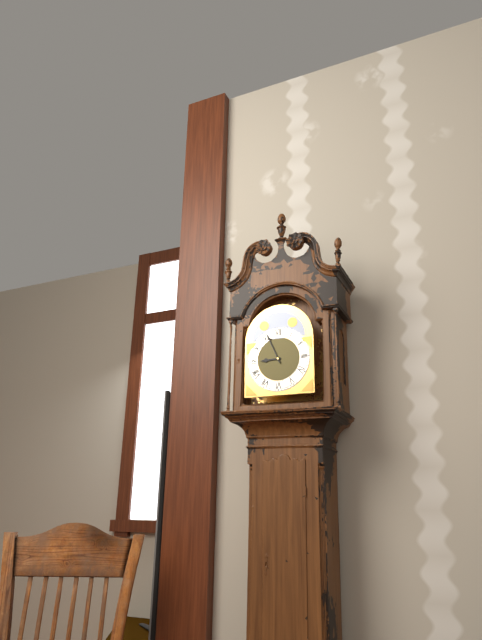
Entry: h=8 m=56
